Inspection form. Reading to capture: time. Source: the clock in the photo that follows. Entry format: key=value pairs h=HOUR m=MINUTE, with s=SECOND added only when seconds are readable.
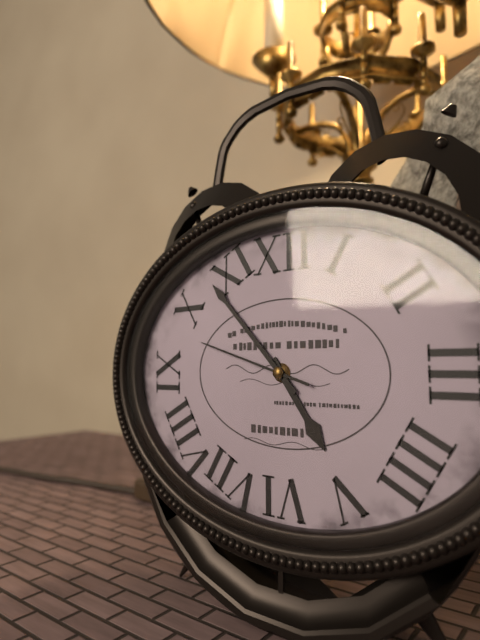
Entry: h=4 m=53 s=48
